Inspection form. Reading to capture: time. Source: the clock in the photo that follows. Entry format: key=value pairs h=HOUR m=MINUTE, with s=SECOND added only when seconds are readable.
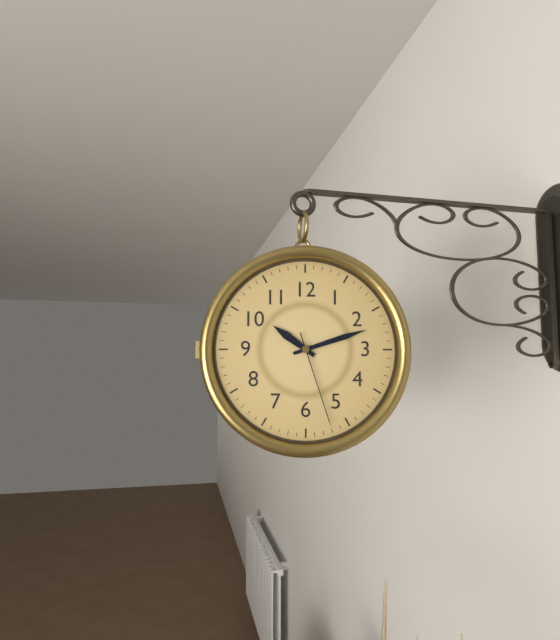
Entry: h=10 m=12 s=27
